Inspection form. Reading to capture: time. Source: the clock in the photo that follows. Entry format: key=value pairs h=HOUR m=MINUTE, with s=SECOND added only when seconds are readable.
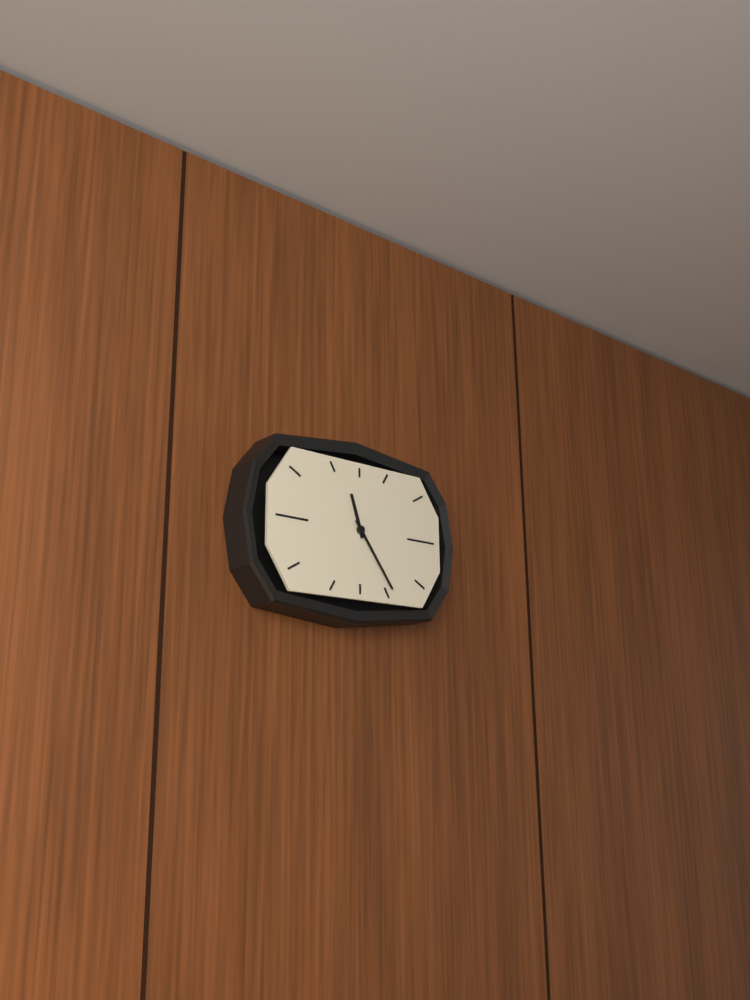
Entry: h=11 m=24
